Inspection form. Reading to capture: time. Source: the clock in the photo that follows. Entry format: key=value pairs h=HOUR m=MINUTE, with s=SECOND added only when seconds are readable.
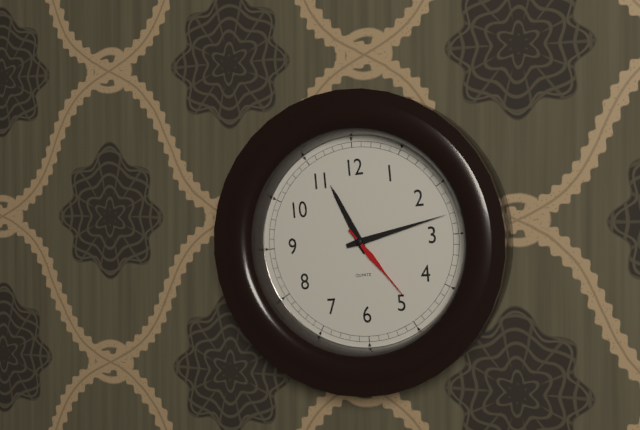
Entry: h=11 m=13 s=24
